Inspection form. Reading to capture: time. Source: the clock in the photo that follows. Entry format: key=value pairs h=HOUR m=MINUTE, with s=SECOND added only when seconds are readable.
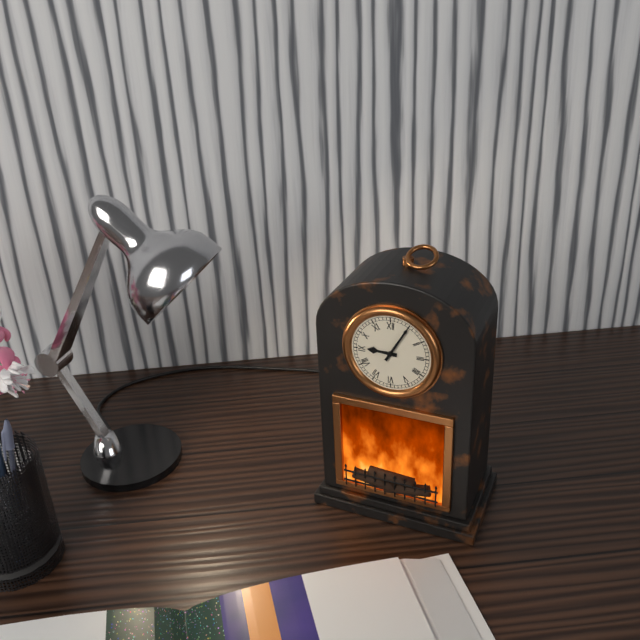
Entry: h=9 m=5
